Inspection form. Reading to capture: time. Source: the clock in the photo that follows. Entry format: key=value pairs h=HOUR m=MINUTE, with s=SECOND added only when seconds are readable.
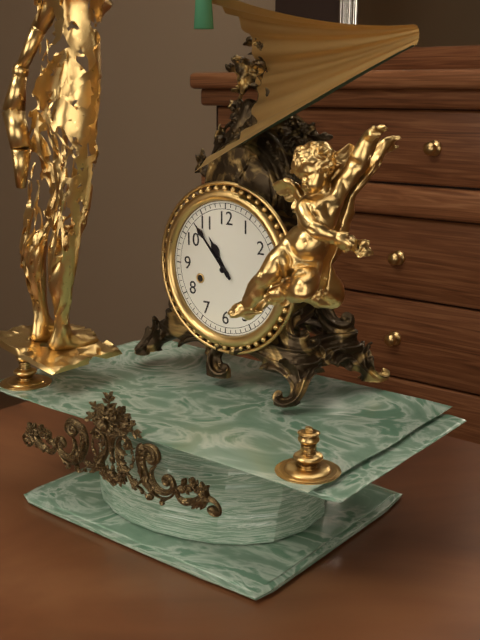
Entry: h=10 m=53
